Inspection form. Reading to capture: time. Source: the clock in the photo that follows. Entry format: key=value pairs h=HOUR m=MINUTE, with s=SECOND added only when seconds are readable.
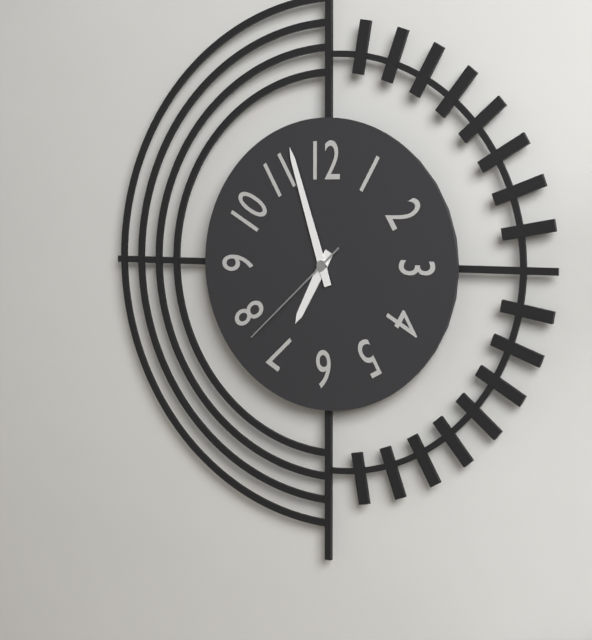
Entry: h=6 m=57 s=38
